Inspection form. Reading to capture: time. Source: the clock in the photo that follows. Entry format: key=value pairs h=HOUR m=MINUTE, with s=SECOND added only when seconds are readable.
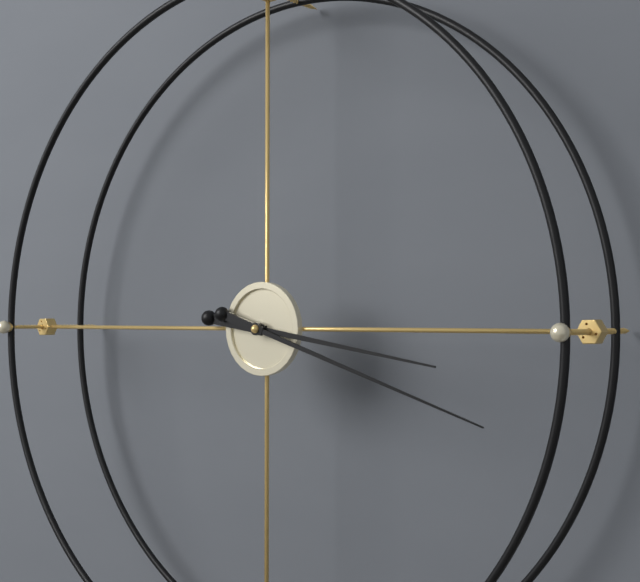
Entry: h=3 m=18
